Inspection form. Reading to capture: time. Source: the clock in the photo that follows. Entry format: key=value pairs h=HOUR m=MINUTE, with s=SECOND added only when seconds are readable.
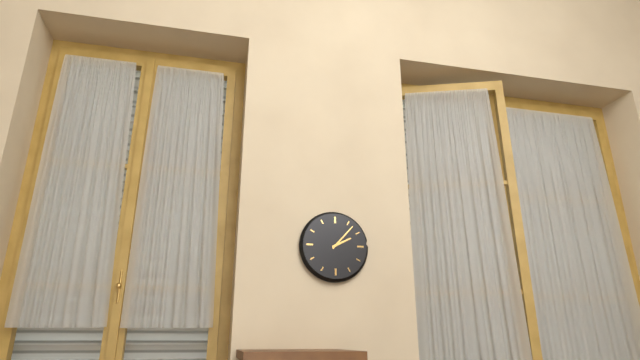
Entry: h=2 m=7
